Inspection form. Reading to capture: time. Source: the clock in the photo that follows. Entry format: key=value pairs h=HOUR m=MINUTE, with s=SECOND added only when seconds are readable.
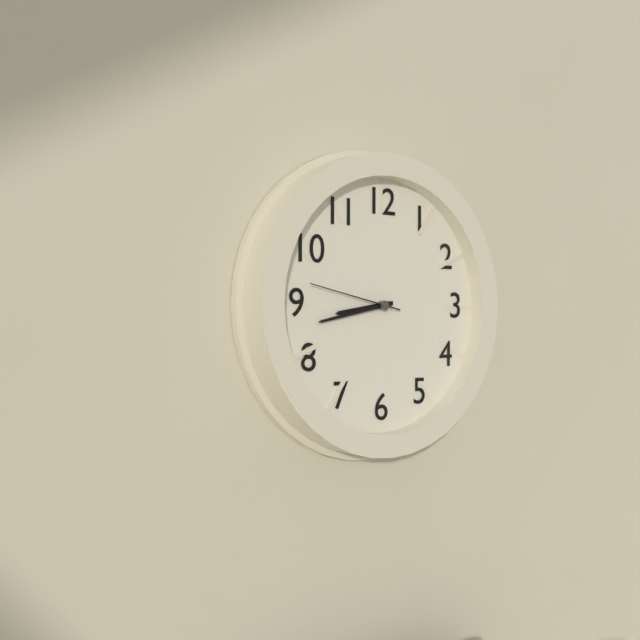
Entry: h=8 m=43 s=47
